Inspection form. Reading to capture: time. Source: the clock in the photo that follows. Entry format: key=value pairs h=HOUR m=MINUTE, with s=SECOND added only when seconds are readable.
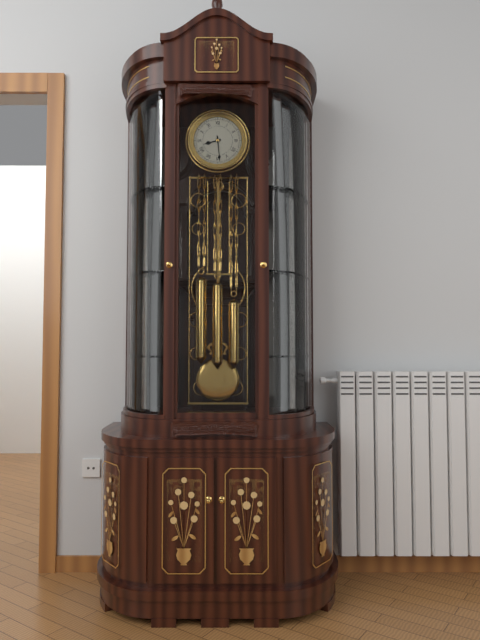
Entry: h=8 m=29
